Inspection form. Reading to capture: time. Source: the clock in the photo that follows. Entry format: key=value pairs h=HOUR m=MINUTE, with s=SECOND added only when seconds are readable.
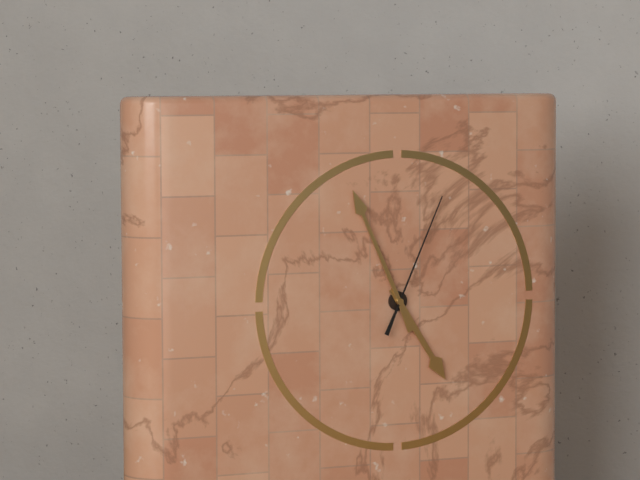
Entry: h=4 m=56 s=4
